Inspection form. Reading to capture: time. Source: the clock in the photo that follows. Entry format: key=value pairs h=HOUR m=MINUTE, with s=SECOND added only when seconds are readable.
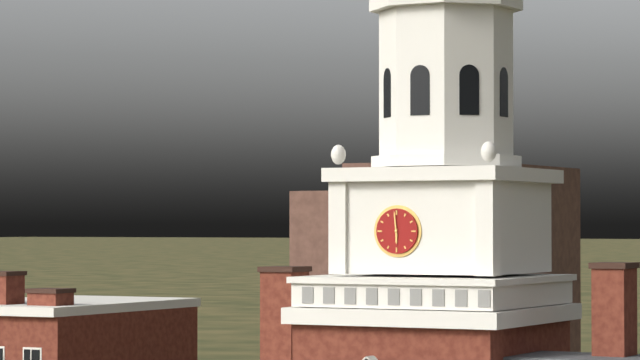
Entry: h=5 m=59
